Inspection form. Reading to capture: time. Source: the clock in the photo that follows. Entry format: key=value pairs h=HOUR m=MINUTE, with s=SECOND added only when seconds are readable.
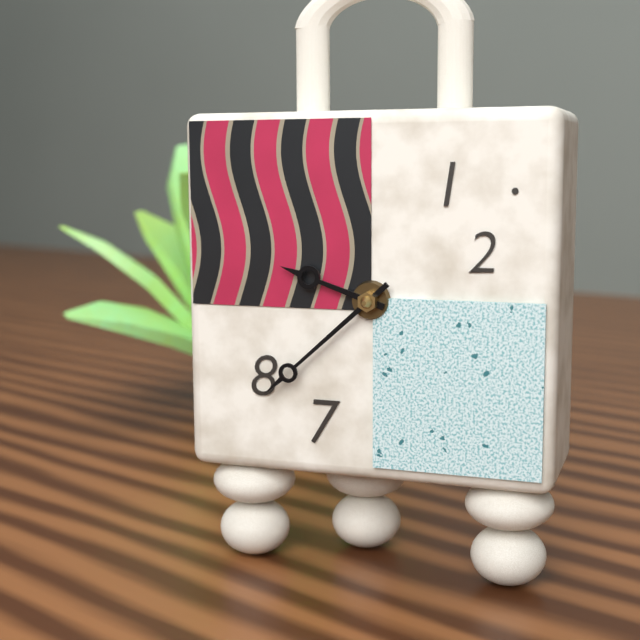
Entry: h=9 m=38
